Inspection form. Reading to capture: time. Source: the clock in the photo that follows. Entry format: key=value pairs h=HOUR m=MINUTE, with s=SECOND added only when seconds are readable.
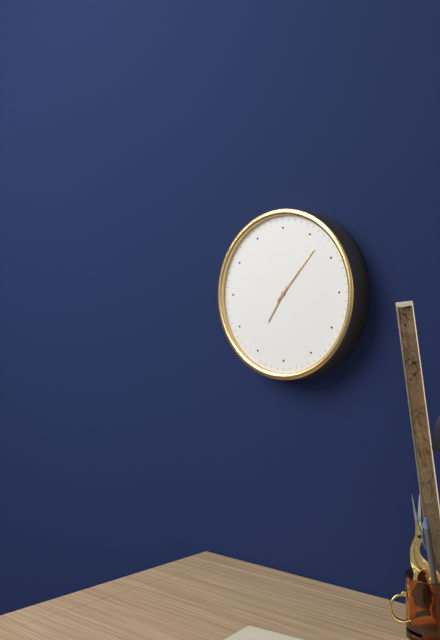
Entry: h=7 m=7
